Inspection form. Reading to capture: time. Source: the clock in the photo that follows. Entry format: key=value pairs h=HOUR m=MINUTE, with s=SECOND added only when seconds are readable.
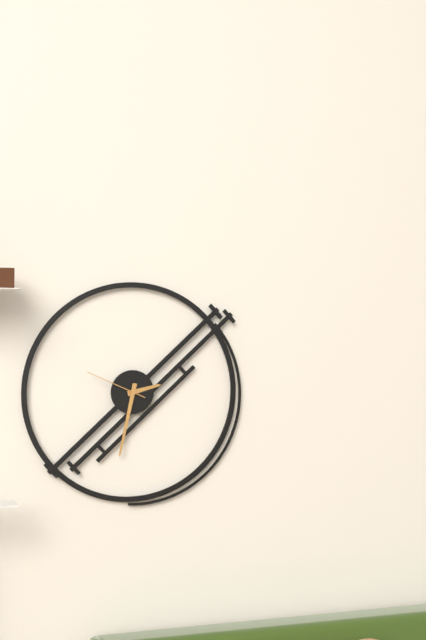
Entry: h=2 m=32 s=49
